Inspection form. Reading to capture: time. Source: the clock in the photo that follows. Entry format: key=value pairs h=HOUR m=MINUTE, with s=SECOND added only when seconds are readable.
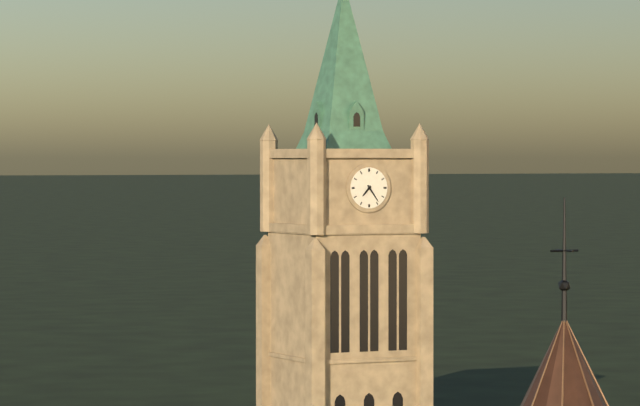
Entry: h=7 m=24
